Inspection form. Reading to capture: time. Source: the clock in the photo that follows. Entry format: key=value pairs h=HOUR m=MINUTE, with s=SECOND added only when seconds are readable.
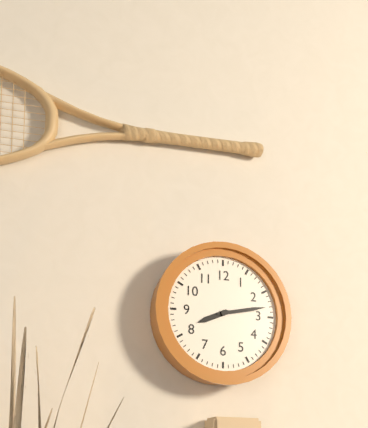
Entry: h=8 m=13
